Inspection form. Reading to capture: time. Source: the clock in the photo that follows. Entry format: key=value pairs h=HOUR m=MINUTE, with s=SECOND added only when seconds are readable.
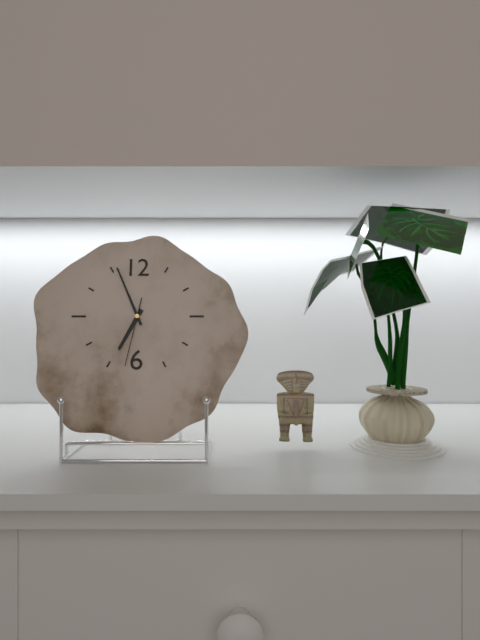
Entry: h=6 m=56 s=32
